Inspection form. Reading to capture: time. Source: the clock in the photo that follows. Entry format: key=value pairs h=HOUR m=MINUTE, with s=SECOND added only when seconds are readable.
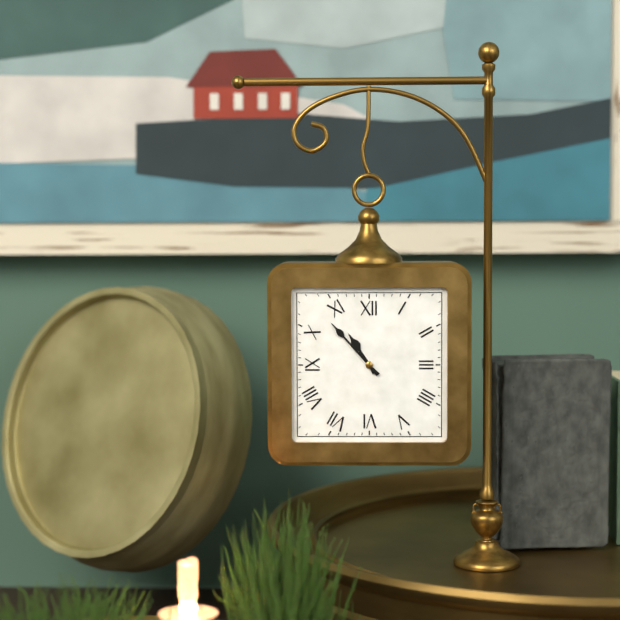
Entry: h=10 m=53
